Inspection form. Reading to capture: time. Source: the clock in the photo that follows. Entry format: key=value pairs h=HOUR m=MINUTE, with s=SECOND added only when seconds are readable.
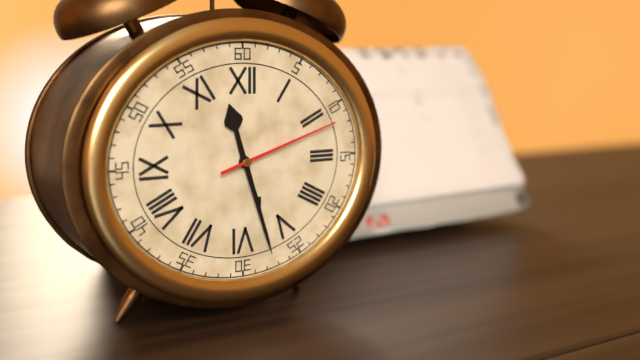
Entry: h=11 m=27 s=12
